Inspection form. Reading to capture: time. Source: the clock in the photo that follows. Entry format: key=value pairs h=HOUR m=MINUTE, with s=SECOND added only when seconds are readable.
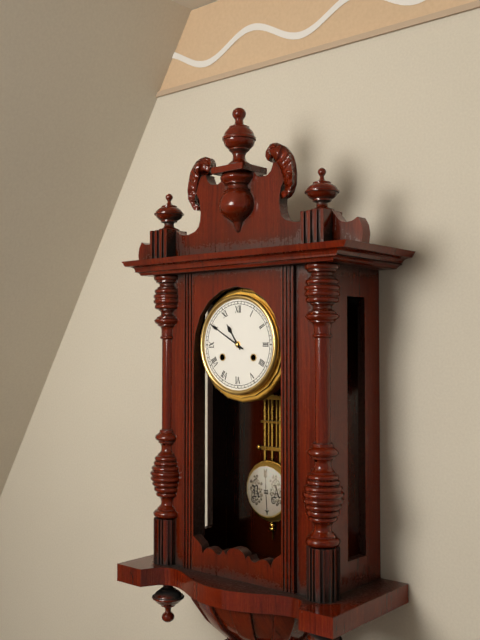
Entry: h=10 m=50
